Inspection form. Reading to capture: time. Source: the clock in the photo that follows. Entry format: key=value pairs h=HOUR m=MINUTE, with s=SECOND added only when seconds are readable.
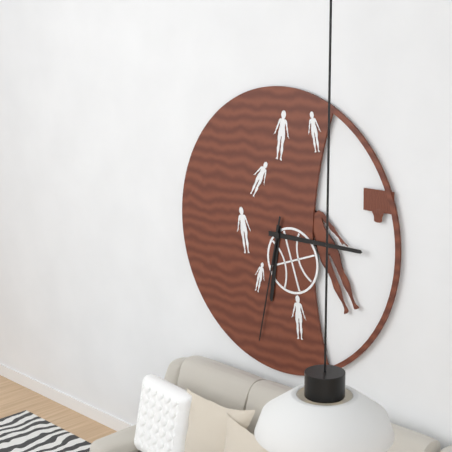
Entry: h=6 m=15 s=32
